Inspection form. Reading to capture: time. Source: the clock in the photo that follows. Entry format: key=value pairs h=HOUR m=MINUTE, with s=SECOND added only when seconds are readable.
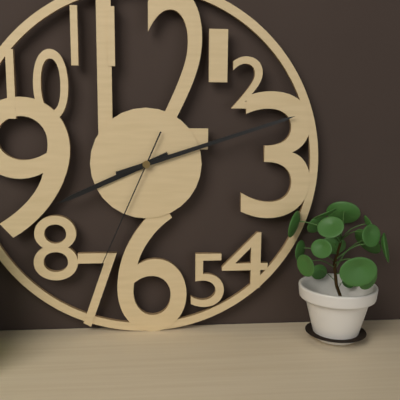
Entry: h=8 m=12 s=34
